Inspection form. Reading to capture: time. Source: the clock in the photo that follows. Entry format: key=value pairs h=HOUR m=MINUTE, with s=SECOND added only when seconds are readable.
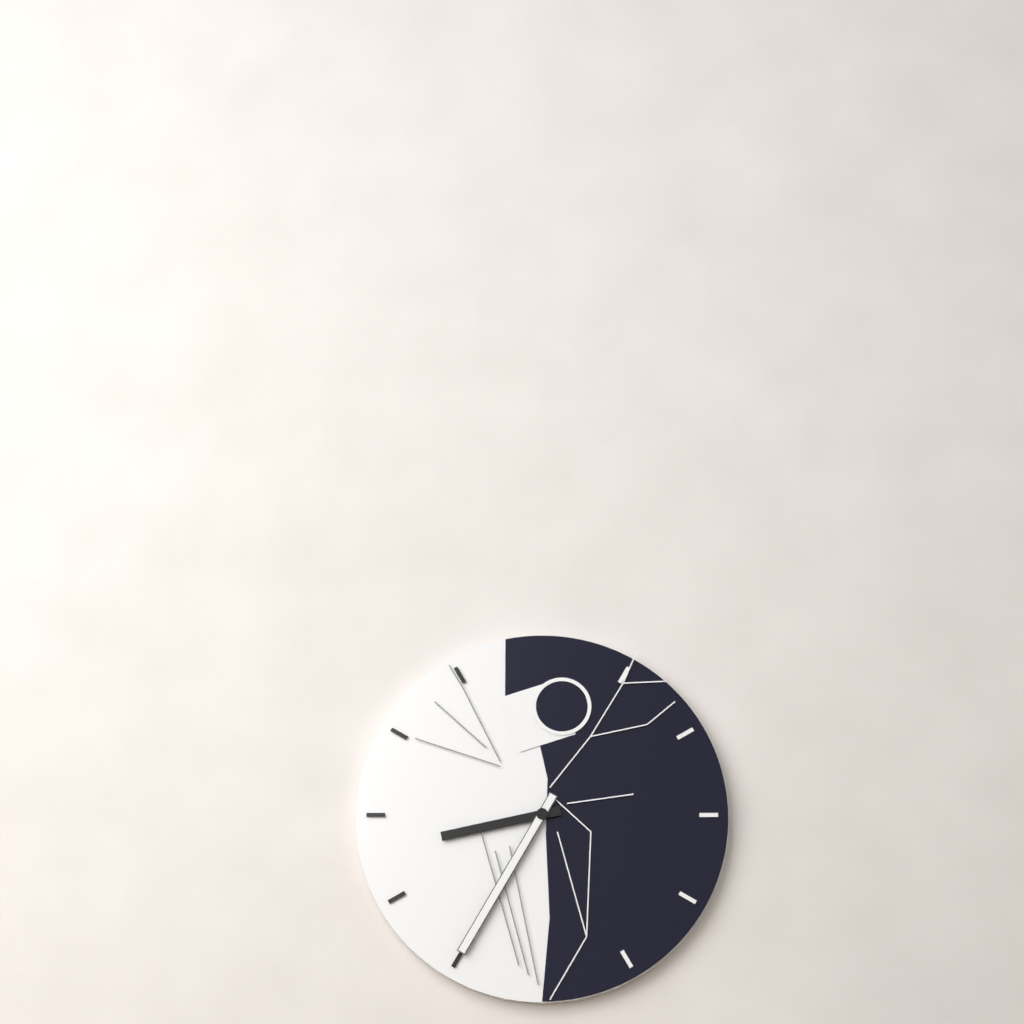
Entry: h=8 m=35
